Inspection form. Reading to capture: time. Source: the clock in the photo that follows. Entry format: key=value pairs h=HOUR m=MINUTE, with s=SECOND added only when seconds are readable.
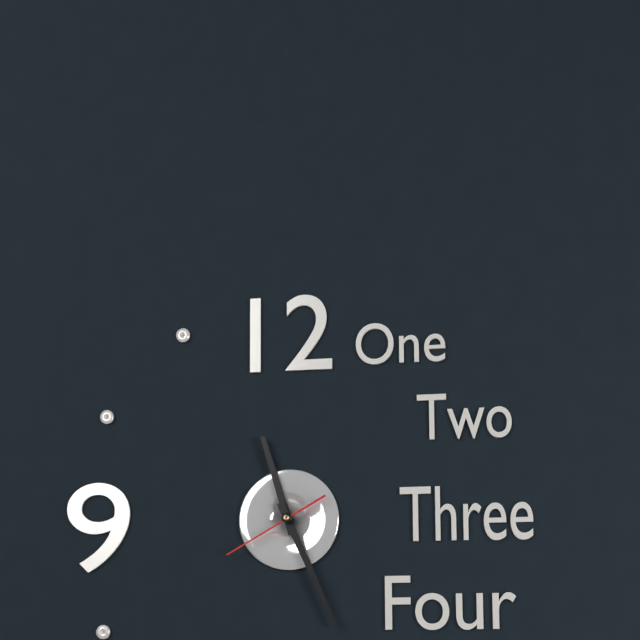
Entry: h=11 m=26 s=40
